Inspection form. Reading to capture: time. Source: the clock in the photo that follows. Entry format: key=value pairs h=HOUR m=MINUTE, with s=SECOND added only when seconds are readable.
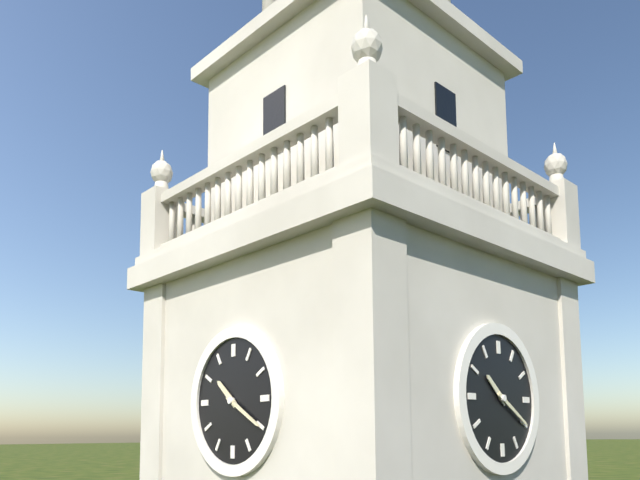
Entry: h=10 m=20
